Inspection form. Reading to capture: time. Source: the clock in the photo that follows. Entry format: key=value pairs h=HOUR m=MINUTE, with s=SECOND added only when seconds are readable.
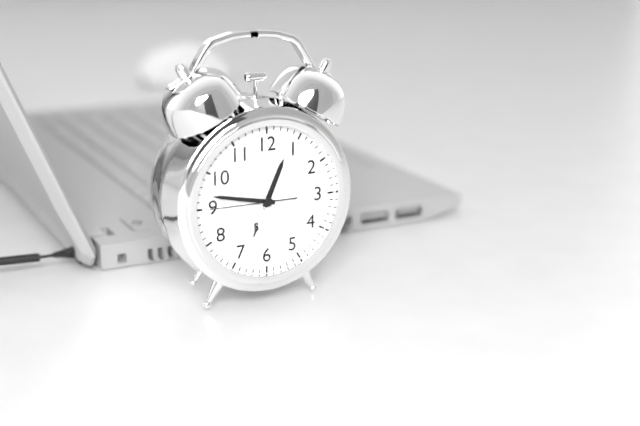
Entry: h=12 m=47 s=45
